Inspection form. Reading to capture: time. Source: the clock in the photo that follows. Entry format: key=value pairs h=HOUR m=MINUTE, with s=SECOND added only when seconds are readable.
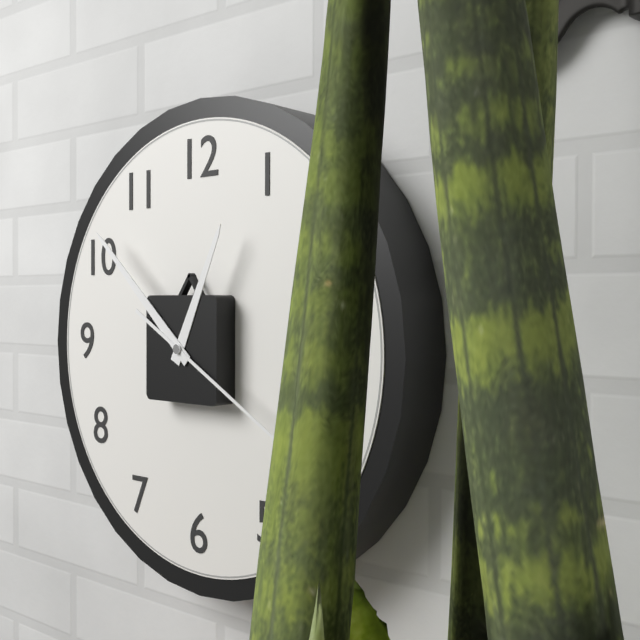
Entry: h=12 m=52 s=20
